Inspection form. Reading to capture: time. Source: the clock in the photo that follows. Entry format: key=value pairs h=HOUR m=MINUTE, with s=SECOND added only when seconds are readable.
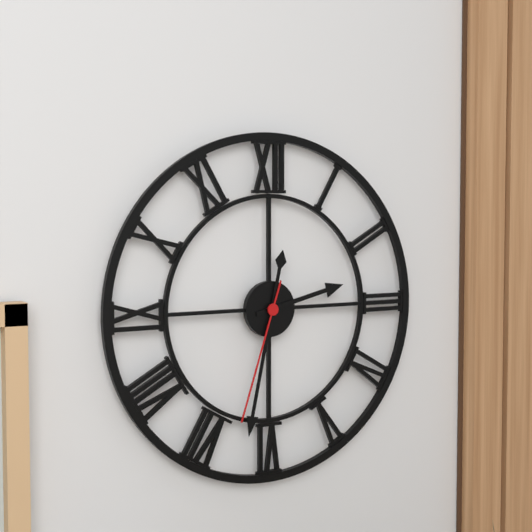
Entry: h=2 m=32 s=33
